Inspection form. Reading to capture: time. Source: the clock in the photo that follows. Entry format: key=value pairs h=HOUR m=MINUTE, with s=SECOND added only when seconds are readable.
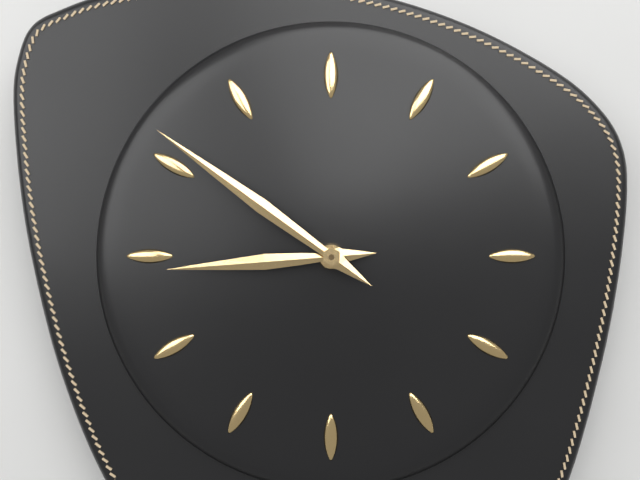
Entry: h=8 m=51
